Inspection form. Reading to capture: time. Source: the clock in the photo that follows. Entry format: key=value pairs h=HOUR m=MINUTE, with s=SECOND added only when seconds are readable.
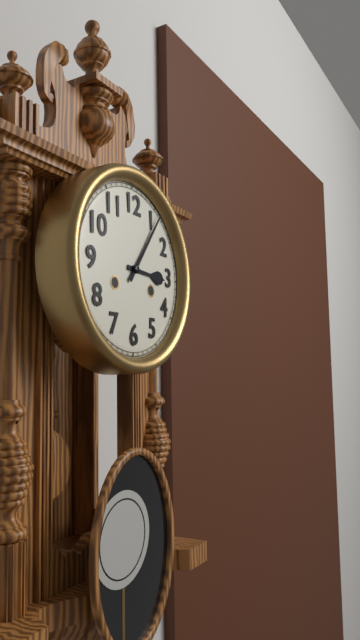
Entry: h=3 m=6
